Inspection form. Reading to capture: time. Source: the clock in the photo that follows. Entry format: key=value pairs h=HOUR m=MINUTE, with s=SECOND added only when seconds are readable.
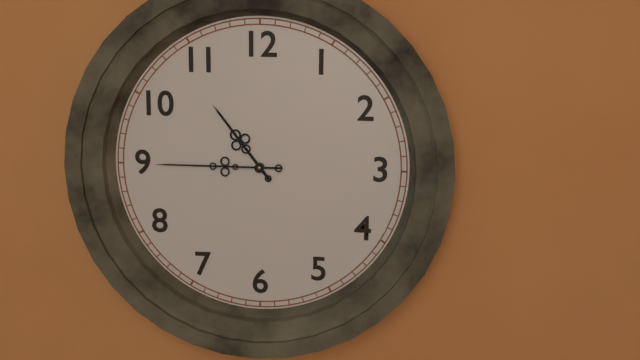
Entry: h=10 m=45
